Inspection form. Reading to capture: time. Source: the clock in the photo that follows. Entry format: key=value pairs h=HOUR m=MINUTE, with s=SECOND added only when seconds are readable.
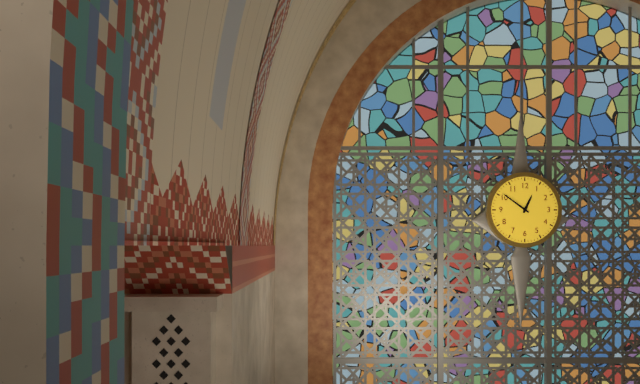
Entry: h=12 m=51
